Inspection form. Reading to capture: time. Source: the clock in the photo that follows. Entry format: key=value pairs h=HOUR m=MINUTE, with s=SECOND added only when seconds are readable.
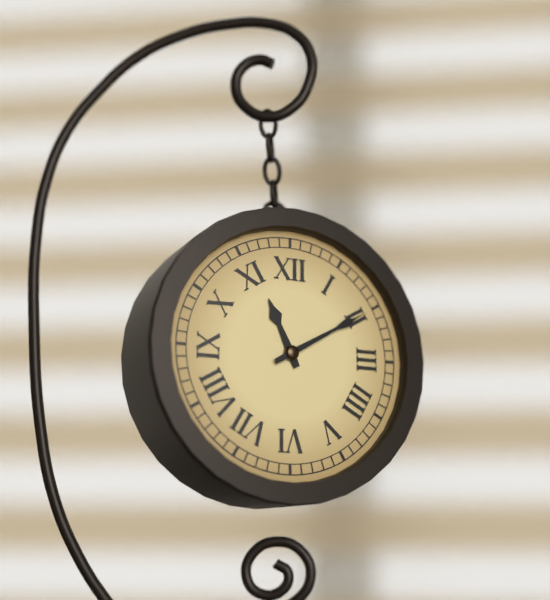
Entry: h=11 m=10
